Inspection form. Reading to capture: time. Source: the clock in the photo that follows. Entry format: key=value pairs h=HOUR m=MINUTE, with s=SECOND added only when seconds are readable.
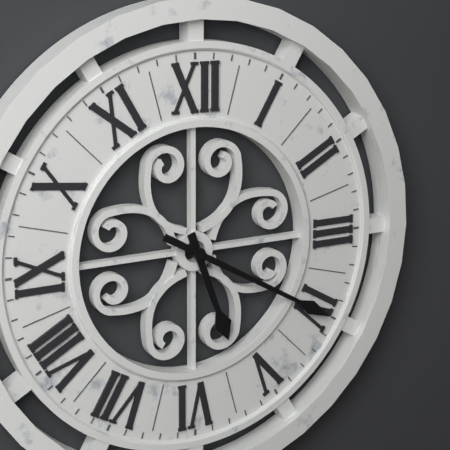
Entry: h=5 m=20
